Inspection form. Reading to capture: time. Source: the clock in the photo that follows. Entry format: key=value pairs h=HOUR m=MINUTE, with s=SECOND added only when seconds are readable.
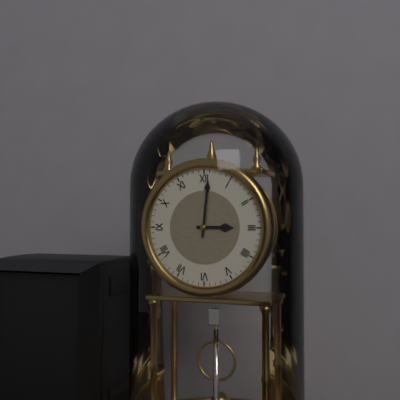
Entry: h=3 m=1
